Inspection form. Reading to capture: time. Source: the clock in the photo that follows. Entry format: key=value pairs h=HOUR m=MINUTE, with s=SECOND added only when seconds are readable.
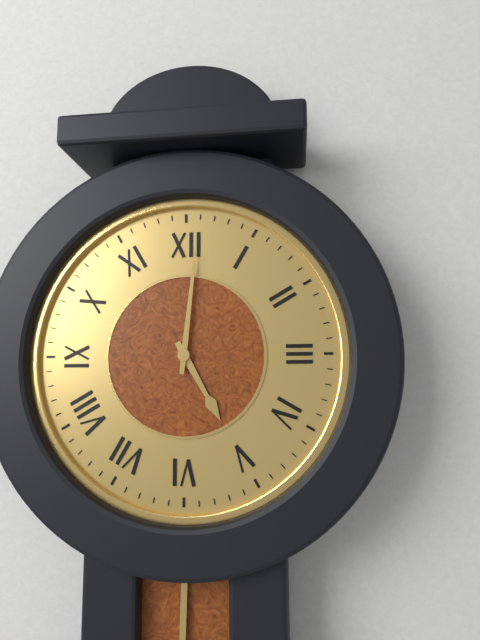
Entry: h=5 m=1
